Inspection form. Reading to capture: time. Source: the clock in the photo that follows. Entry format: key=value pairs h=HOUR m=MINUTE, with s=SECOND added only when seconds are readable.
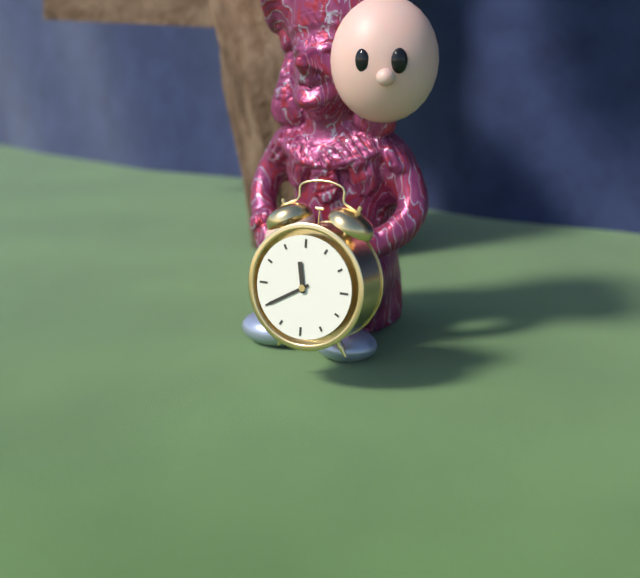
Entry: h=11 m=40
